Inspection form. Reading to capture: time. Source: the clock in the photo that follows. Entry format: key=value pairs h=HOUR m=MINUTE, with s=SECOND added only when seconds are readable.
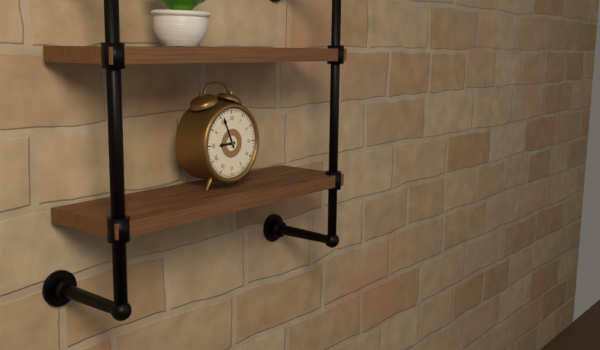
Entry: h=8 m=56
